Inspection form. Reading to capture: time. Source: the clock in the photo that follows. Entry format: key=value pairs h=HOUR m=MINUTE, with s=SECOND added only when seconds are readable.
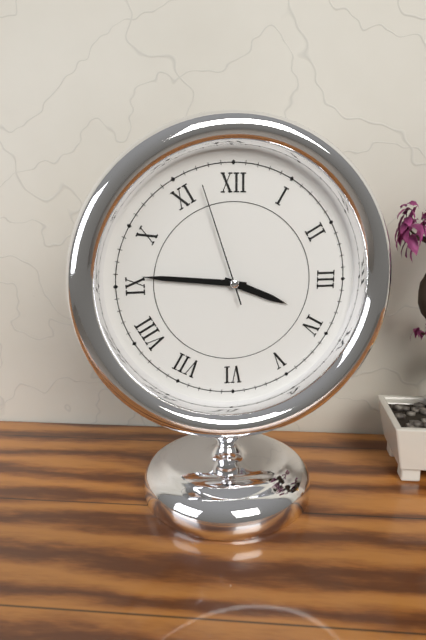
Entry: h=3 m=46 s=57
